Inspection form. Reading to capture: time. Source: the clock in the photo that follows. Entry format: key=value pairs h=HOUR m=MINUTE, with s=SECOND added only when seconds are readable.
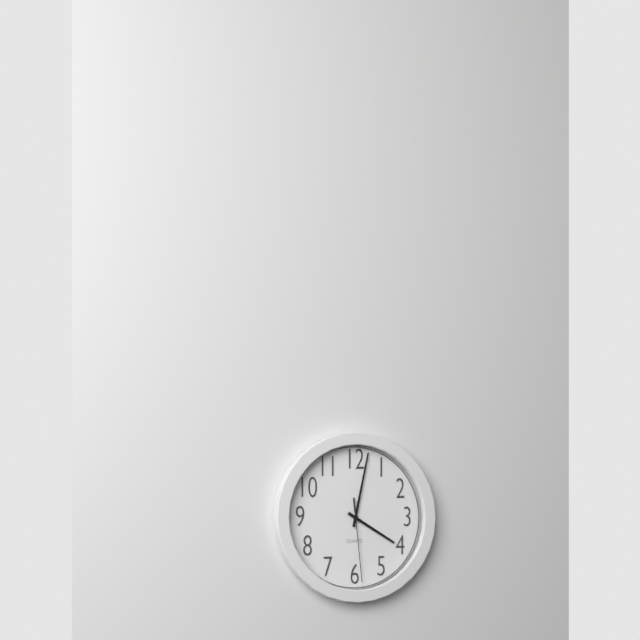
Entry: h=4 m=2 s=29
